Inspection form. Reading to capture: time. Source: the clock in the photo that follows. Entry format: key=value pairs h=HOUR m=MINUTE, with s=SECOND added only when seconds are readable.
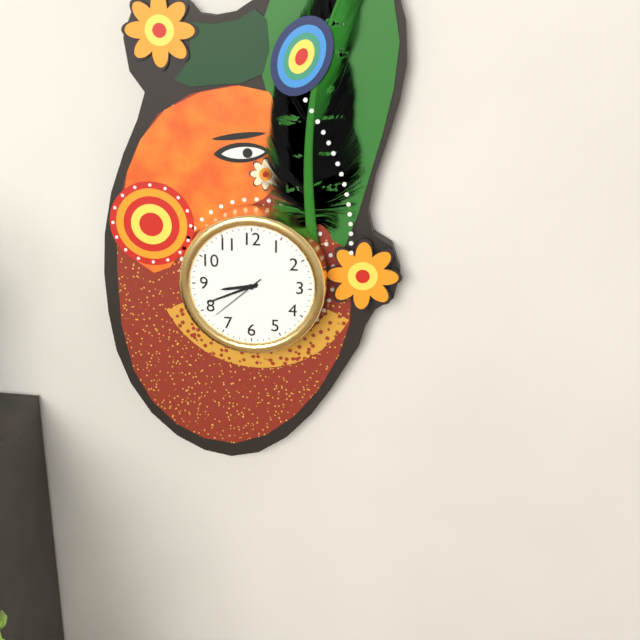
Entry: h=8 m=41 s=38
